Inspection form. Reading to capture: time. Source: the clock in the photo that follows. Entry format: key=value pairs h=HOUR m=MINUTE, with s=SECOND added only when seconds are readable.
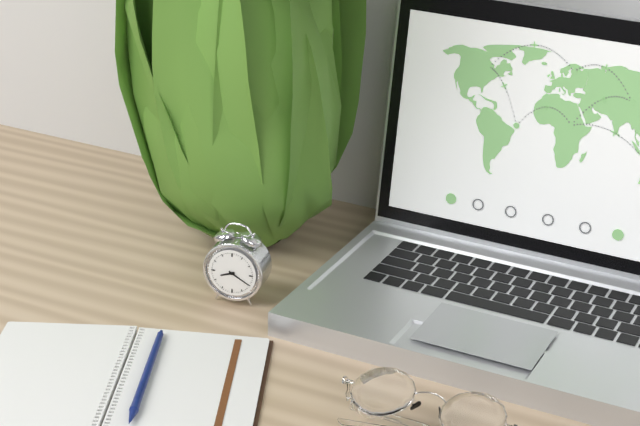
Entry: h=8 m=20
